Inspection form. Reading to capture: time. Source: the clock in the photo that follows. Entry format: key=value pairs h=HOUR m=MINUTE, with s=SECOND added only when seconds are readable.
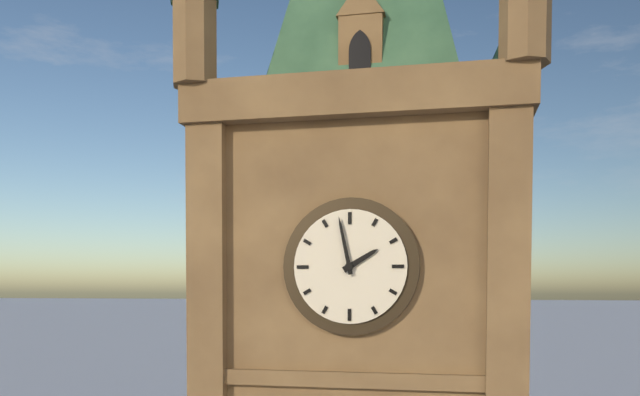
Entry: h=1 m=58
